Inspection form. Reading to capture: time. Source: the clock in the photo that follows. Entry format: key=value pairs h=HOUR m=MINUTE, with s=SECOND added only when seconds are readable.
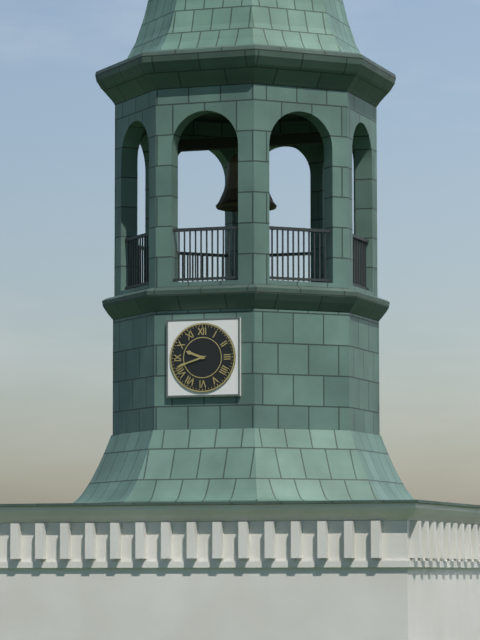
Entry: h=9 m=42
